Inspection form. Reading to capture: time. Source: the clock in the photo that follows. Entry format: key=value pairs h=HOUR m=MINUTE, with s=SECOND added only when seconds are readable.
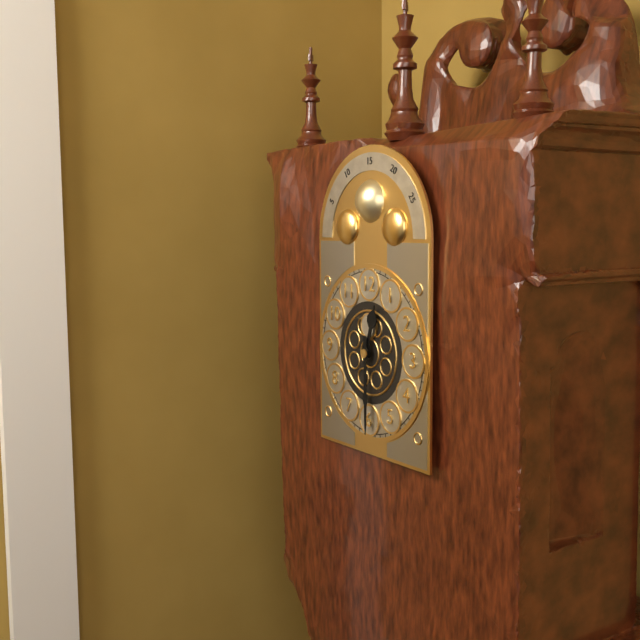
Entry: h=12 m=30
